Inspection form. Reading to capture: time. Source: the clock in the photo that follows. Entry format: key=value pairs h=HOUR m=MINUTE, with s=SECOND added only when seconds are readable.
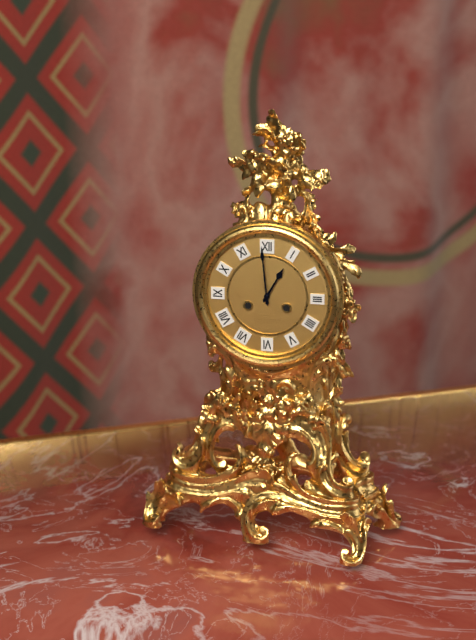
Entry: h=12 m=59
